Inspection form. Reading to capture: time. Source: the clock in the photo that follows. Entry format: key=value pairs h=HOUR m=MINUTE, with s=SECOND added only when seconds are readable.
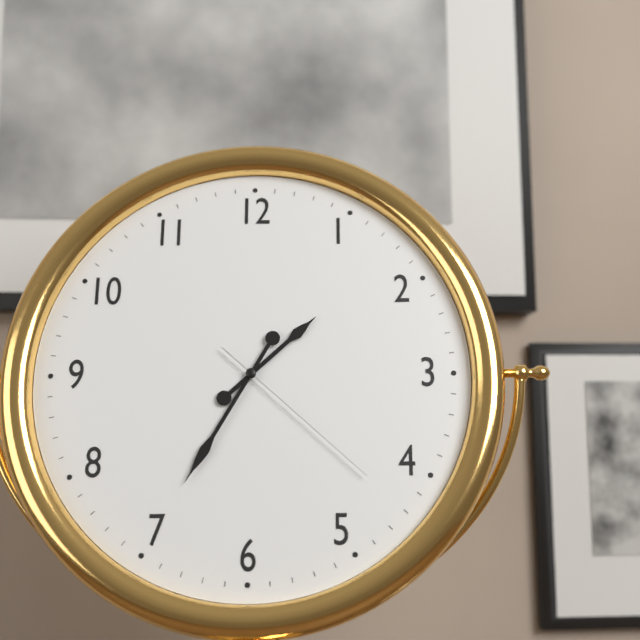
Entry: h=1 m=35 s=22
